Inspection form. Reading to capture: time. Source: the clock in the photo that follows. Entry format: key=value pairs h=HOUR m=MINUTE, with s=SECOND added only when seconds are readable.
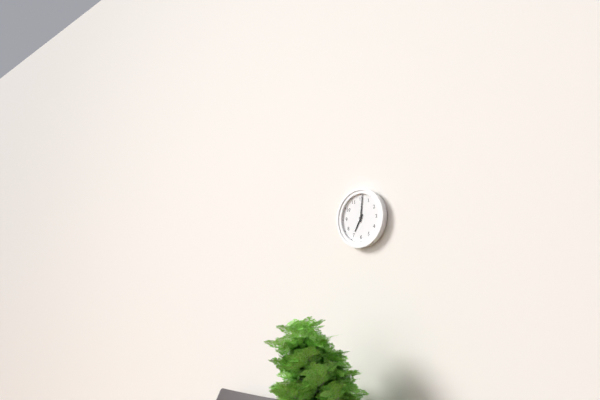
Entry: h=7 m=1
